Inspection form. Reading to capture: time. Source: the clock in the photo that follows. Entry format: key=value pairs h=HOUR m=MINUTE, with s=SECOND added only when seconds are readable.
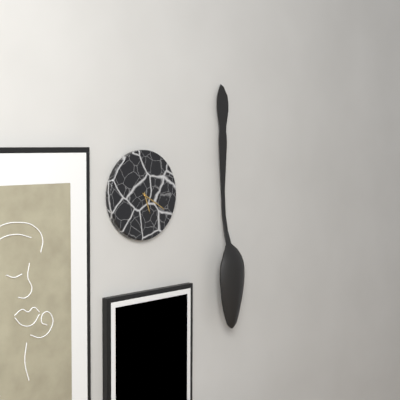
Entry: h=5 m=20
